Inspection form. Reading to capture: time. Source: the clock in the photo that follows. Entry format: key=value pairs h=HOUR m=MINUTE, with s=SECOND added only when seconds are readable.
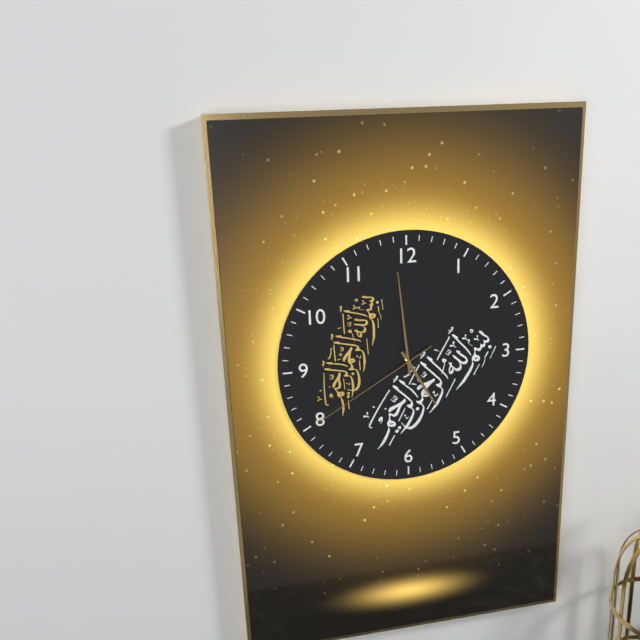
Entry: h=4 m=59 s=40
